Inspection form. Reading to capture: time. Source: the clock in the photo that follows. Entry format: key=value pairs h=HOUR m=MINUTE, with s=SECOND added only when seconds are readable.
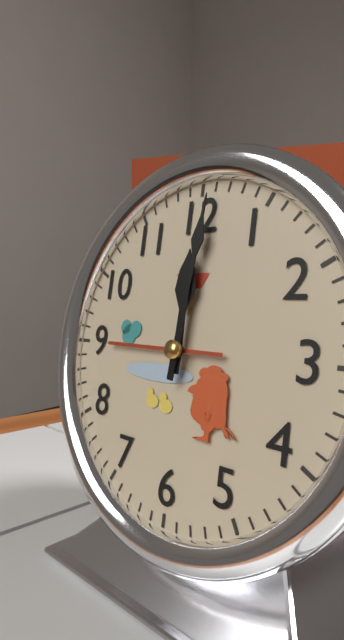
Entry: h=12 m=1
